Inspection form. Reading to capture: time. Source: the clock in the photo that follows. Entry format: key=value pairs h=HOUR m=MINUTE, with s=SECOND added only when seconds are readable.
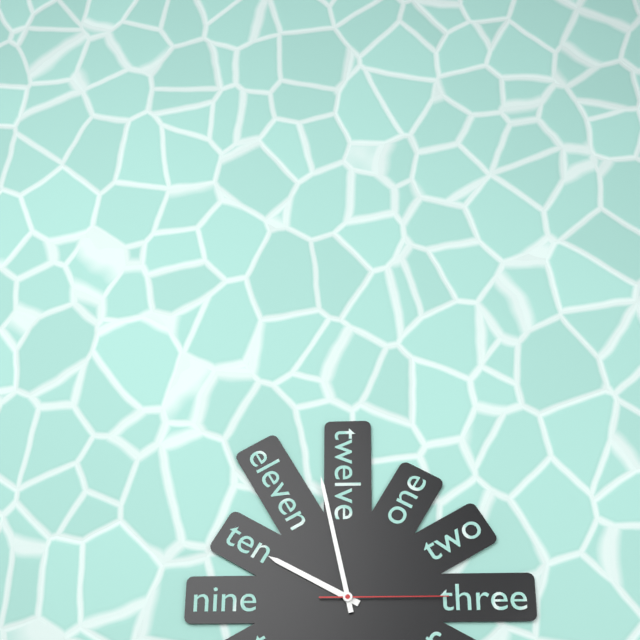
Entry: h=9 m=58 s=15
